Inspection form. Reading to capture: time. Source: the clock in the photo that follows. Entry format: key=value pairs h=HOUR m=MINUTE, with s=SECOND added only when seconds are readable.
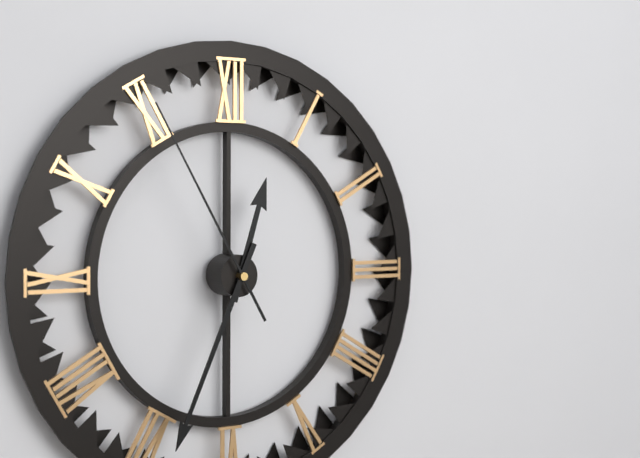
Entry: h=12 m=34 s=55
